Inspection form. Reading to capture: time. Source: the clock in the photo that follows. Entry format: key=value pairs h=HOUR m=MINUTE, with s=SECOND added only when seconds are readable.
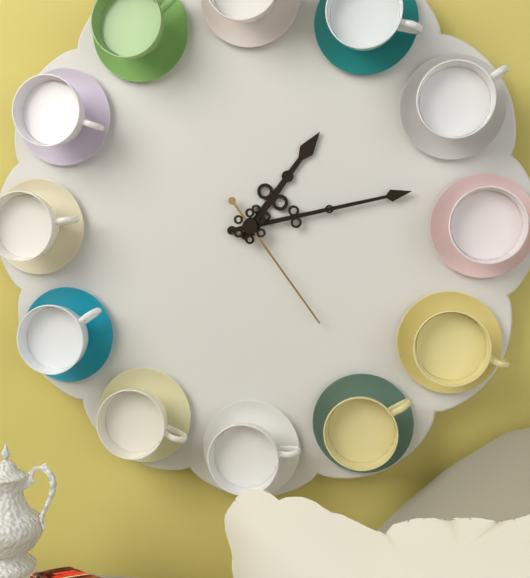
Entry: h=1 m=13 s=24
